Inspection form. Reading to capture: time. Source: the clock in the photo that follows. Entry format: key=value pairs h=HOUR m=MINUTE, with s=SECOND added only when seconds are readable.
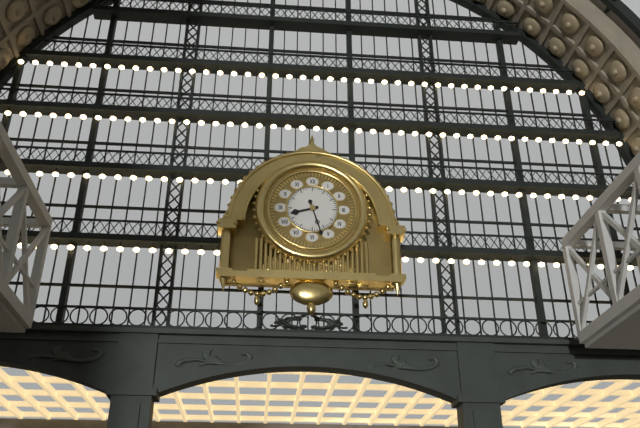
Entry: h=8 m=27
